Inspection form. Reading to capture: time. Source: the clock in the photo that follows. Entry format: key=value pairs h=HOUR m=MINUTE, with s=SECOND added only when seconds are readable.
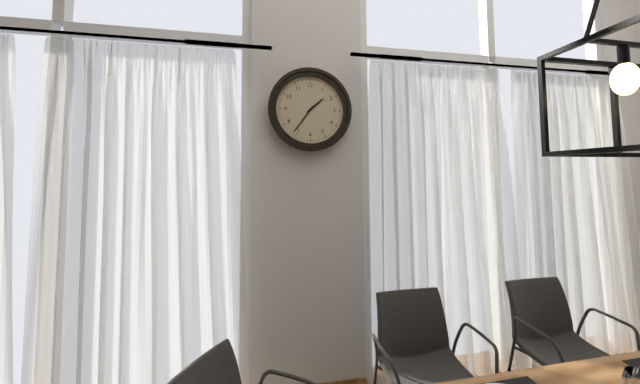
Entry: h=1 m=36
